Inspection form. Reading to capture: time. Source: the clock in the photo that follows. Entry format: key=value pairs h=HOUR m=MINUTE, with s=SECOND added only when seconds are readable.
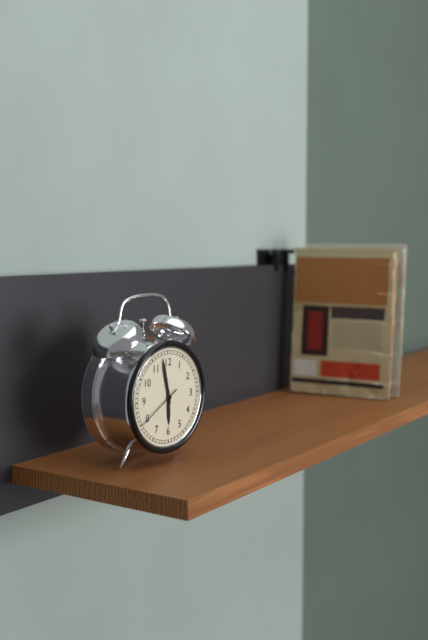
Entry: h=5 m=58
